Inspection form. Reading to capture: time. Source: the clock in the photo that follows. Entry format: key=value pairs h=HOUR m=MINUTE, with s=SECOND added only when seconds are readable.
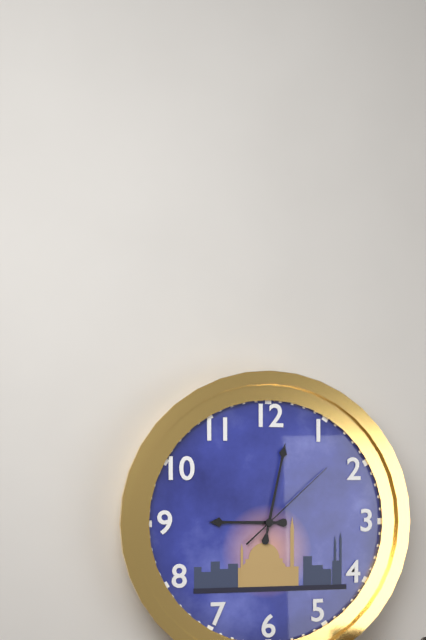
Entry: h=9 m=2 s=8
